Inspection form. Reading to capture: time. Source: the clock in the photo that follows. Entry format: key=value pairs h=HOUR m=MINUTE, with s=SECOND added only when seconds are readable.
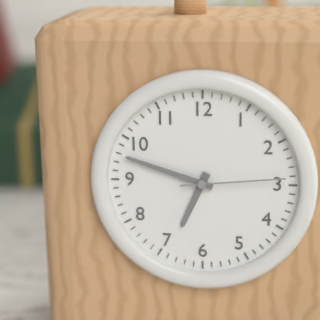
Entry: h=6 m=48 s=14
